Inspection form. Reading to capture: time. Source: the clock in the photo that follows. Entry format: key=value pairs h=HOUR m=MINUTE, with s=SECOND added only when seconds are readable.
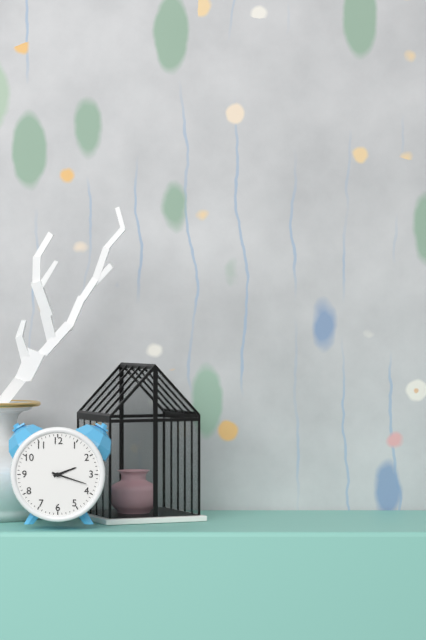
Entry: h=2 m=18
